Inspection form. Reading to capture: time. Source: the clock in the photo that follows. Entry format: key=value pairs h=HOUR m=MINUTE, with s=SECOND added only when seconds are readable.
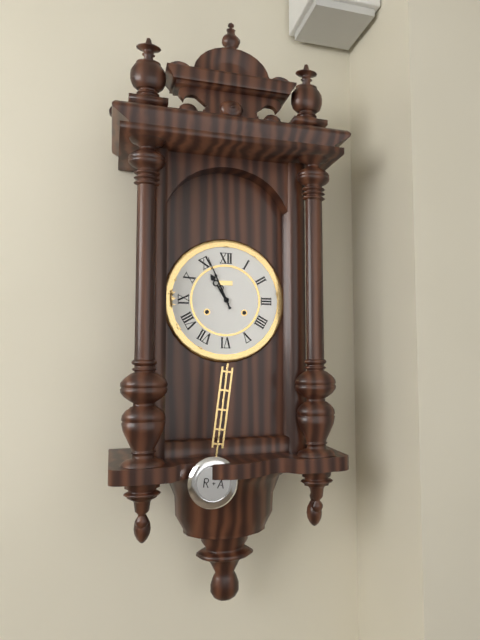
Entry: h=10 m=56
